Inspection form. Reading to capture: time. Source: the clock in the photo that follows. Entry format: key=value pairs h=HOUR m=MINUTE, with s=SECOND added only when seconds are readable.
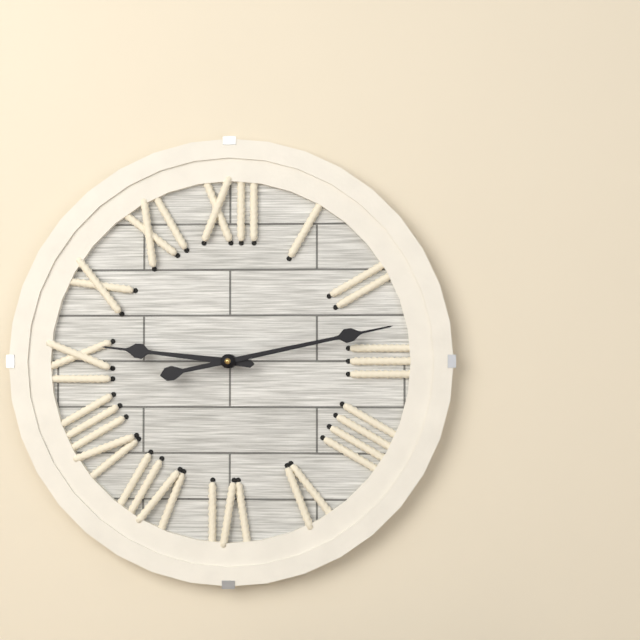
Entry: h=9 m=13
